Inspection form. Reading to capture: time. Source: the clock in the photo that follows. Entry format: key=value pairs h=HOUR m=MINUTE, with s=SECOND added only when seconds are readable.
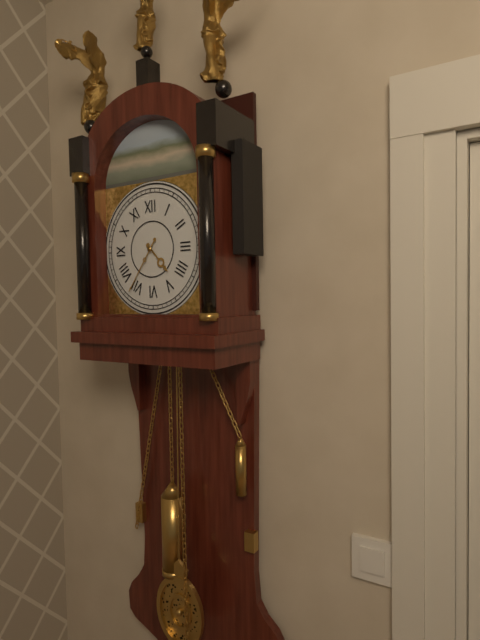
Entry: h=4 m=36
